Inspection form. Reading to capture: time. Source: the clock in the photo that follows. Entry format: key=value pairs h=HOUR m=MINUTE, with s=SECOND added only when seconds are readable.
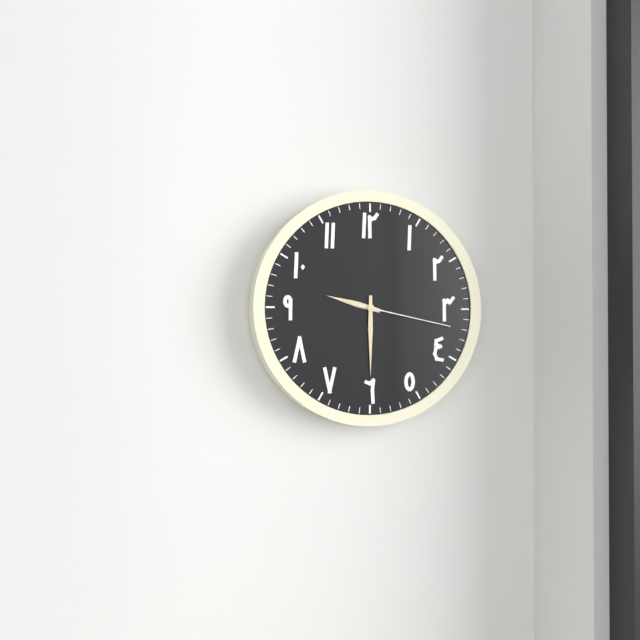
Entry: h=9 m=30 s=17
